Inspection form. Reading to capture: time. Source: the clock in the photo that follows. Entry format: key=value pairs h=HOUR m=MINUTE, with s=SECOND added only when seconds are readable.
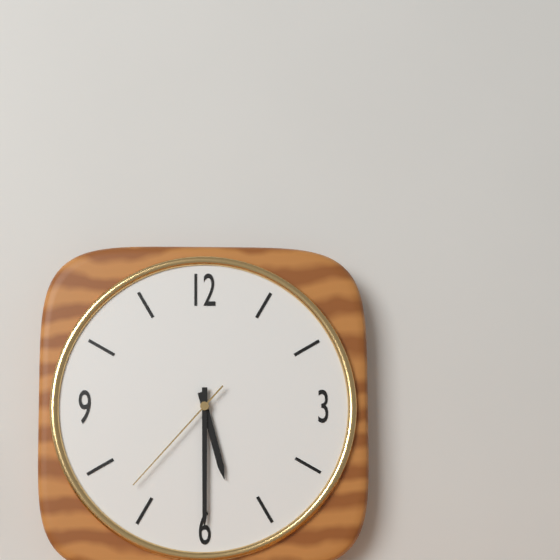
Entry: h=5 m=30 s=37
